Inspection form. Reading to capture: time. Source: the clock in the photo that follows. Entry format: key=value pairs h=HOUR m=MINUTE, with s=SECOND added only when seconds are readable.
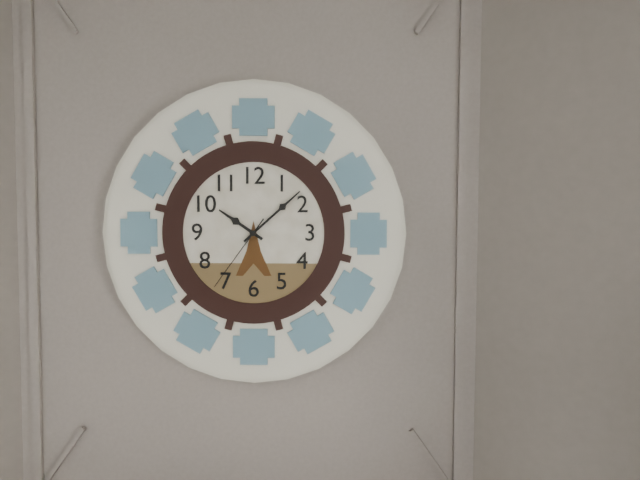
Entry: h=10 m=8 s=36
